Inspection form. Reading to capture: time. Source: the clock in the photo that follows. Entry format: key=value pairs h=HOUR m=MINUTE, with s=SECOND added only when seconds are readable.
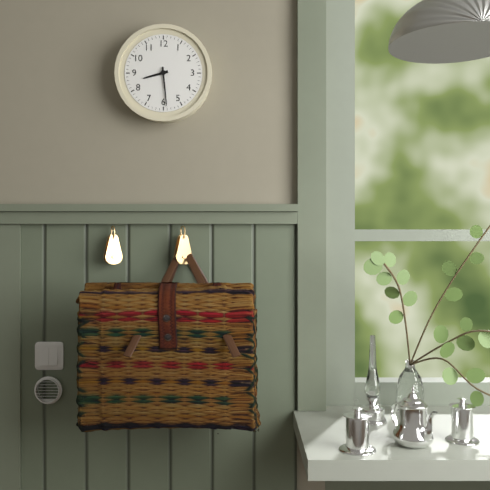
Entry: h=8 m=29
